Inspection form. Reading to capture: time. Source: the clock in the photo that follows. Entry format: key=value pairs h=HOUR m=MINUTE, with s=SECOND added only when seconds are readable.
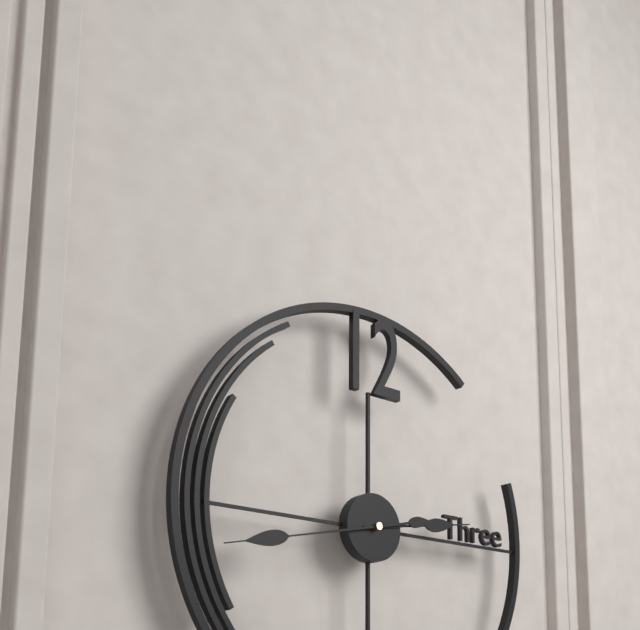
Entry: h=2 m=43
